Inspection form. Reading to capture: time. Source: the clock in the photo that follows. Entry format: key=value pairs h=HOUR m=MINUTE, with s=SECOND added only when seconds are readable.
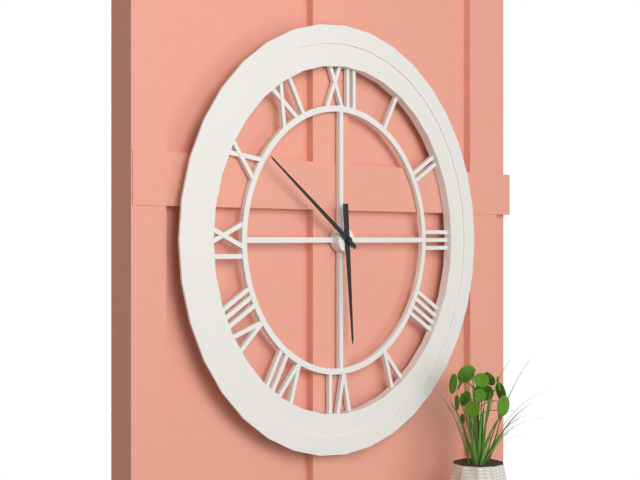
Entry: h=5 m=51
